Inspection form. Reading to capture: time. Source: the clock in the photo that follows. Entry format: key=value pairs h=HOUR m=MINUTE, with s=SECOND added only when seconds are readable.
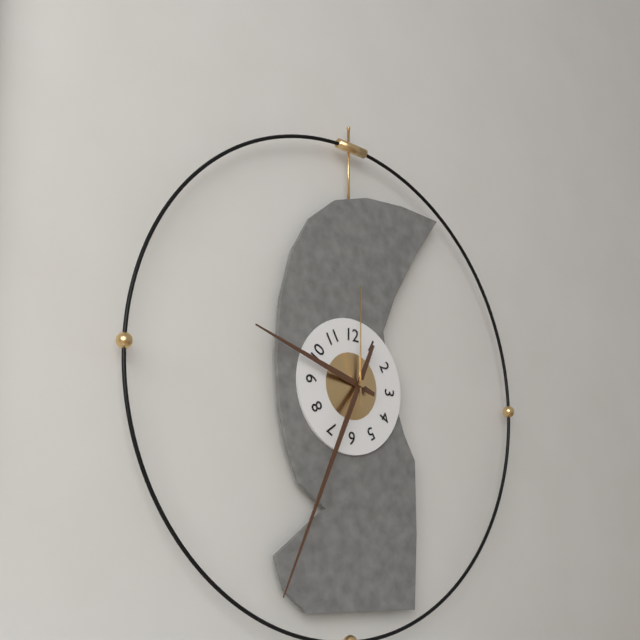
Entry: h=9 m=34 s=0
